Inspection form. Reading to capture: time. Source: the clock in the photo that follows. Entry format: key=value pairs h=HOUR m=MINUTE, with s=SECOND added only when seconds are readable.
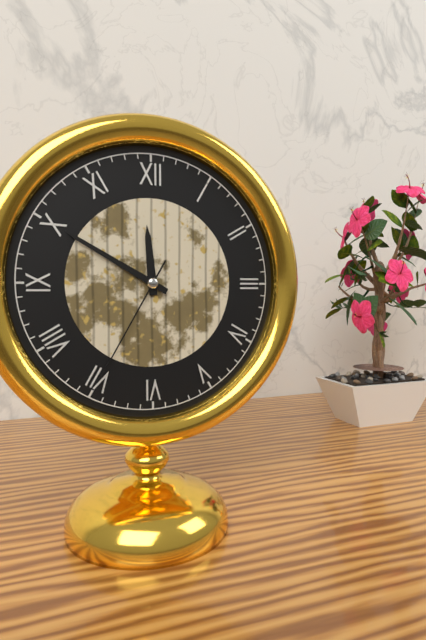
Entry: h=11 m=50 s=35
